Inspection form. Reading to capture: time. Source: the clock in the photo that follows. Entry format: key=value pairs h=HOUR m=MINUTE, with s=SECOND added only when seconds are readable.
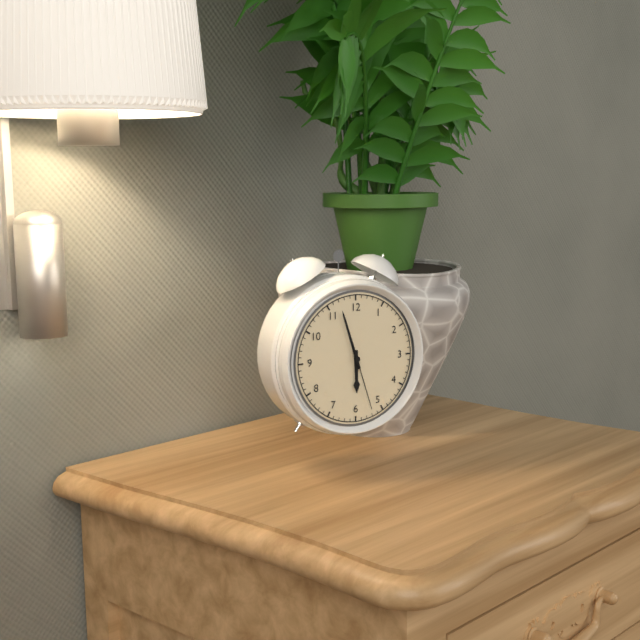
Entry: h=5 m=57 s=27
